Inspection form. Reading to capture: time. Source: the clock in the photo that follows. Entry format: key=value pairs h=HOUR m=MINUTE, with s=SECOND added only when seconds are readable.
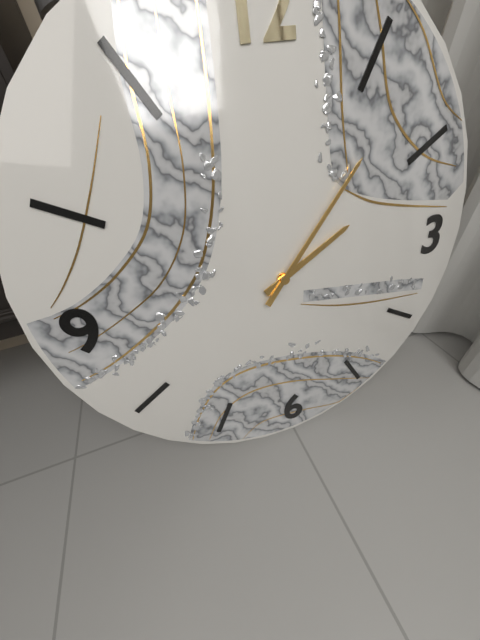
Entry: h=2 m=7
